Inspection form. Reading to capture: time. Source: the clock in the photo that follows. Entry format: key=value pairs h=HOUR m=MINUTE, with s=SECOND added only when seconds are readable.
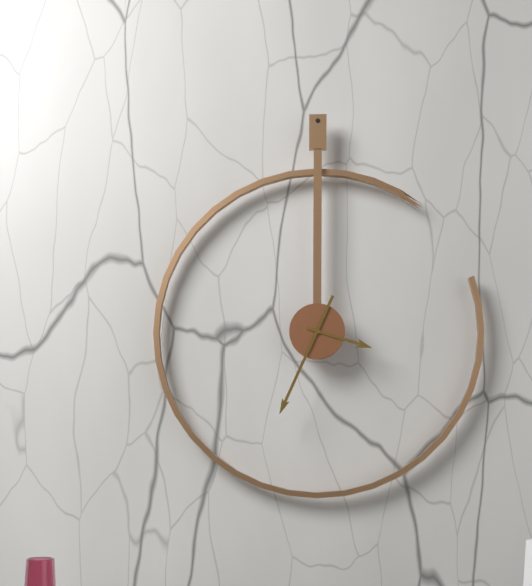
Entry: h=3 m=34
